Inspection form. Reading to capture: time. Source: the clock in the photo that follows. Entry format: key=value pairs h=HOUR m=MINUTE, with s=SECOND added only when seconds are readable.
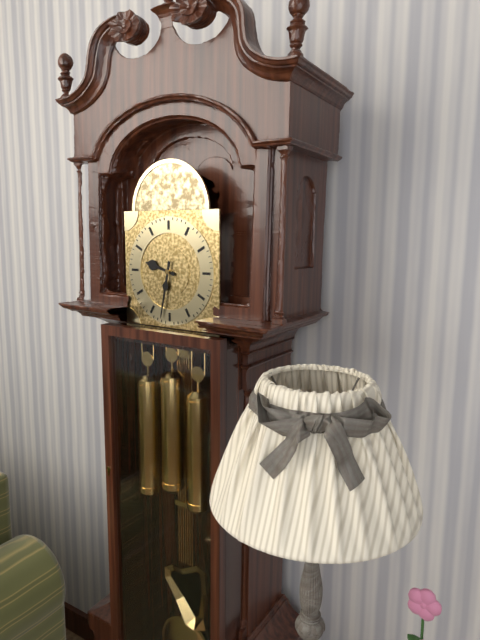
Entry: h=9 m=32
